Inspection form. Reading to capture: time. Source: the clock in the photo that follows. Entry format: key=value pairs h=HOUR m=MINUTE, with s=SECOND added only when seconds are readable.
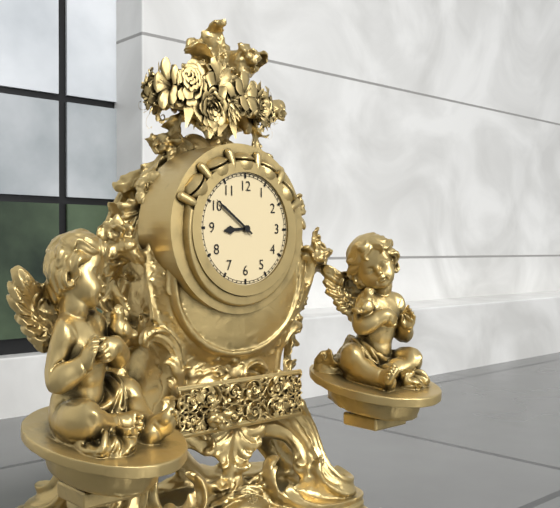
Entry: h=8 m=51
